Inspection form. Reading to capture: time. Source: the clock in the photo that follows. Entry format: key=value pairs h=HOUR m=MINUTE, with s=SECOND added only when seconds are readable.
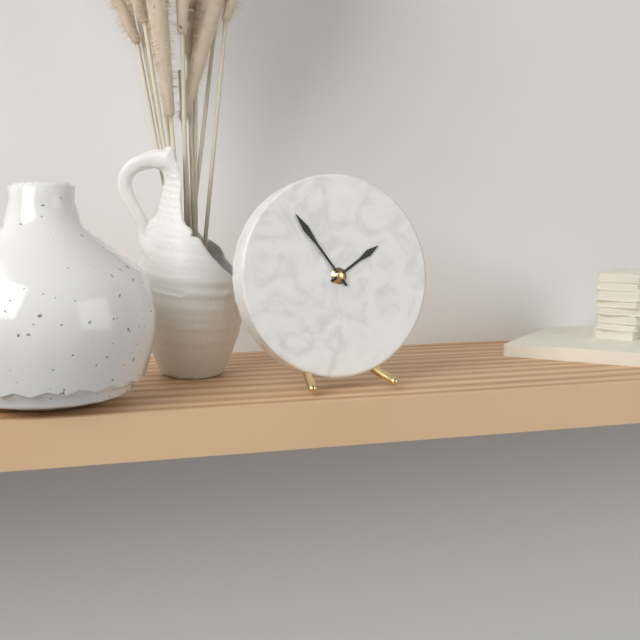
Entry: h=1 m=54
